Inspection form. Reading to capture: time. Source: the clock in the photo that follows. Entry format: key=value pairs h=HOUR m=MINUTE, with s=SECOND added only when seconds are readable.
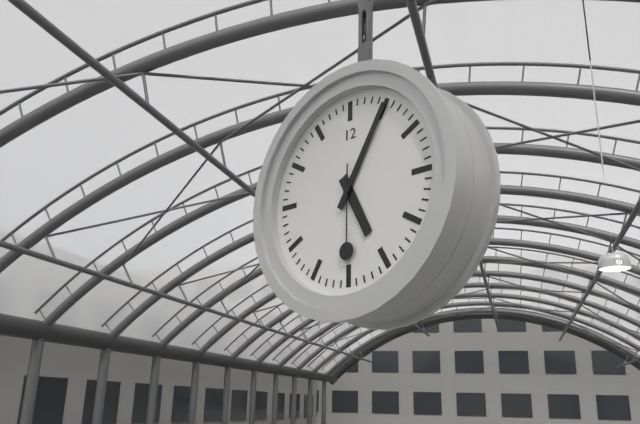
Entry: h=5 m=5 s=30
